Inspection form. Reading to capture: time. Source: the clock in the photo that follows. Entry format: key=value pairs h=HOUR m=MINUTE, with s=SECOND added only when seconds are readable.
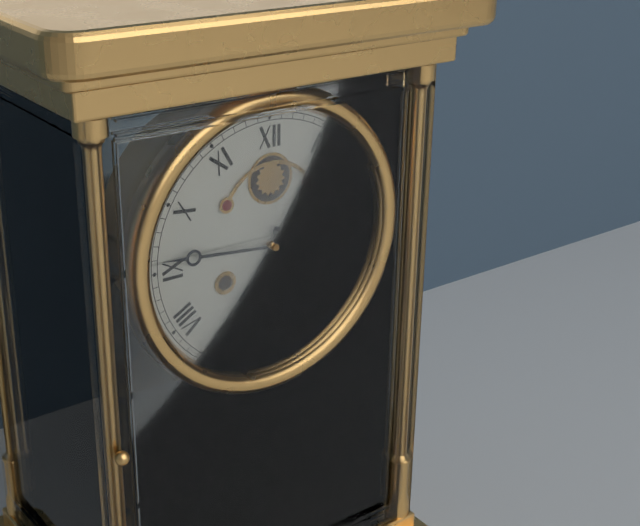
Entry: h=6 m=46
